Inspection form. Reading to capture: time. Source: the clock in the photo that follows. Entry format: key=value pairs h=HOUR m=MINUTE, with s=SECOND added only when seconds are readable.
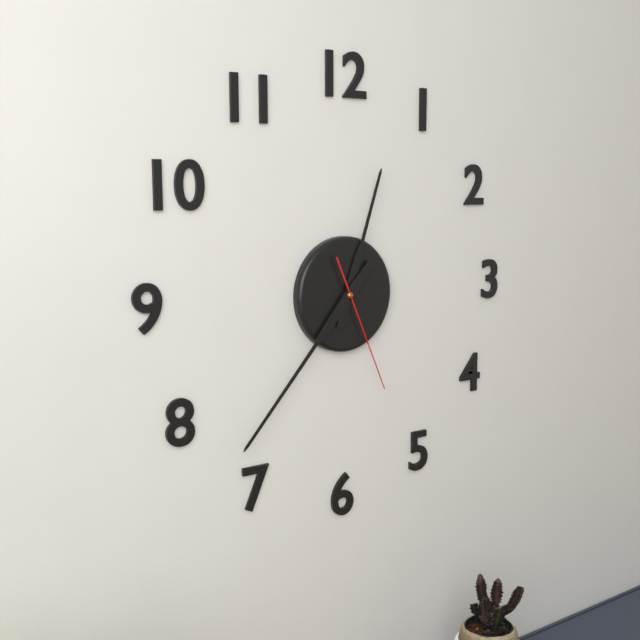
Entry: h=12 m=37 s=26
